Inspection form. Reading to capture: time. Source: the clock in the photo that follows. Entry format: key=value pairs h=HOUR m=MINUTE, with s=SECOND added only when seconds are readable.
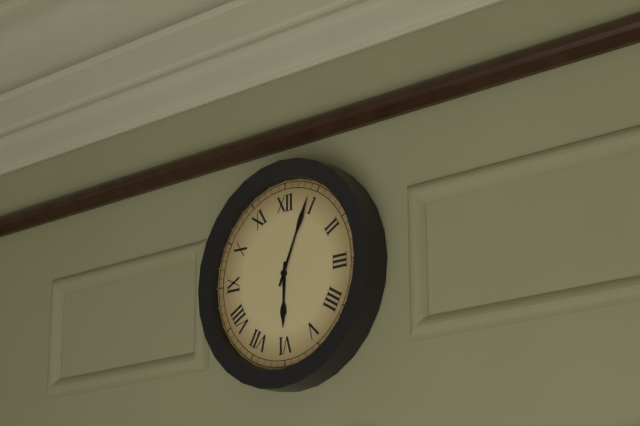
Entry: h=6 m=4
